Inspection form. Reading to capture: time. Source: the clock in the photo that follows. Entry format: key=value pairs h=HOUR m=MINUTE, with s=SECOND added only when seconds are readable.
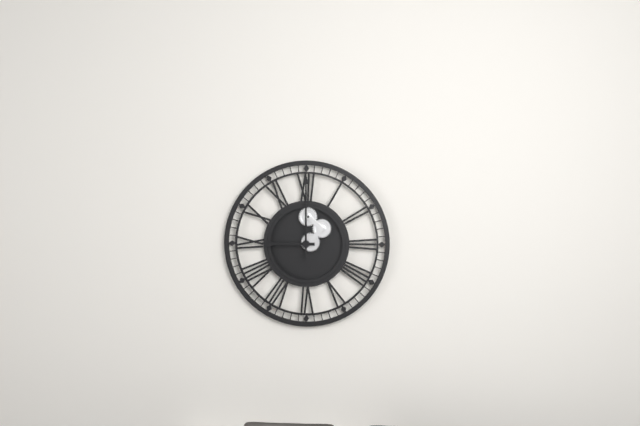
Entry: h=9 m=0
